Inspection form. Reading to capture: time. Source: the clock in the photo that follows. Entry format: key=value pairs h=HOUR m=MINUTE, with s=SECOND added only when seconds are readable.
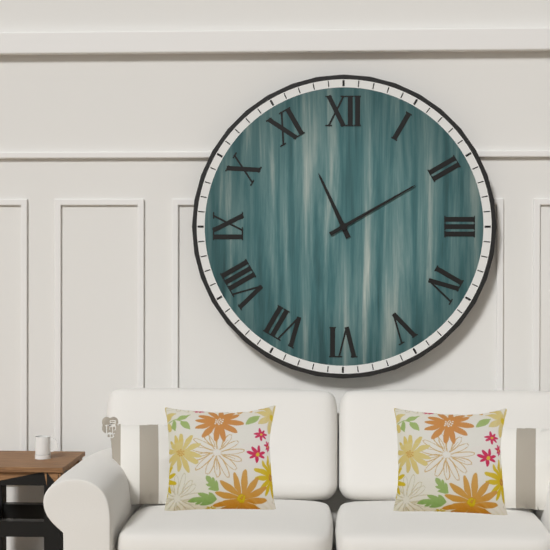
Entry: h=11 m=10
